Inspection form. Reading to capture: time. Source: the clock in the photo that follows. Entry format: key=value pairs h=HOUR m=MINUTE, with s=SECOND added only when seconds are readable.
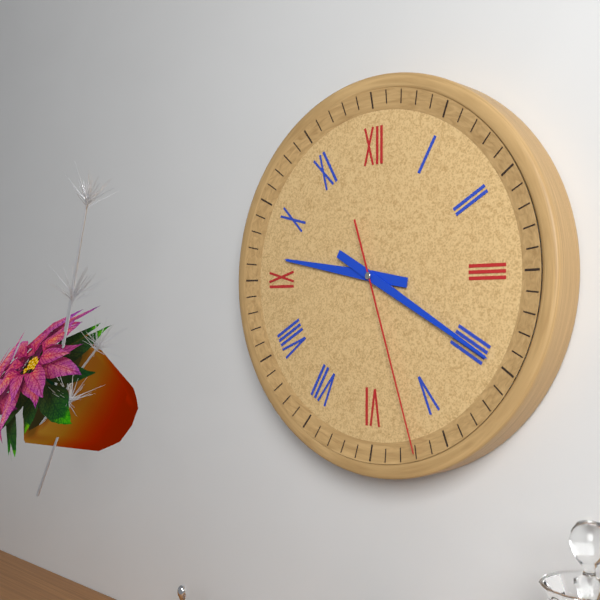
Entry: h=9 m=20 s=27
